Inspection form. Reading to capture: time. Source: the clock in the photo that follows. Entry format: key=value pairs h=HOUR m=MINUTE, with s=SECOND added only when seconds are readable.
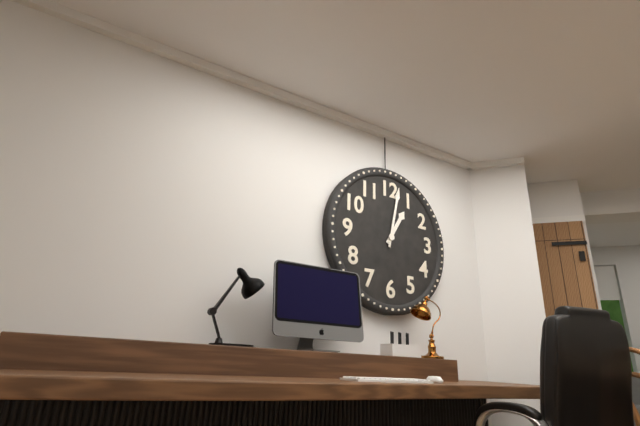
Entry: h=1 m=2
